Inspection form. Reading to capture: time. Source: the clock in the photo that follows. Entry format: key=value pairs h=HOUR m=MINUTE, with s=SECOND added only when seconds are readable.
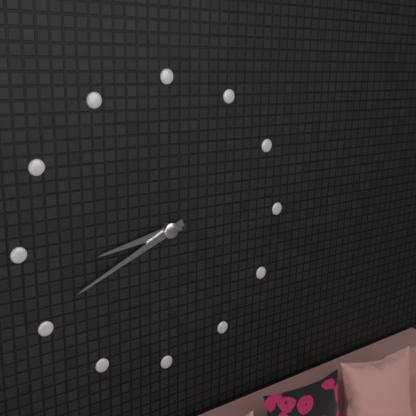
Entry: h=8 m=41
